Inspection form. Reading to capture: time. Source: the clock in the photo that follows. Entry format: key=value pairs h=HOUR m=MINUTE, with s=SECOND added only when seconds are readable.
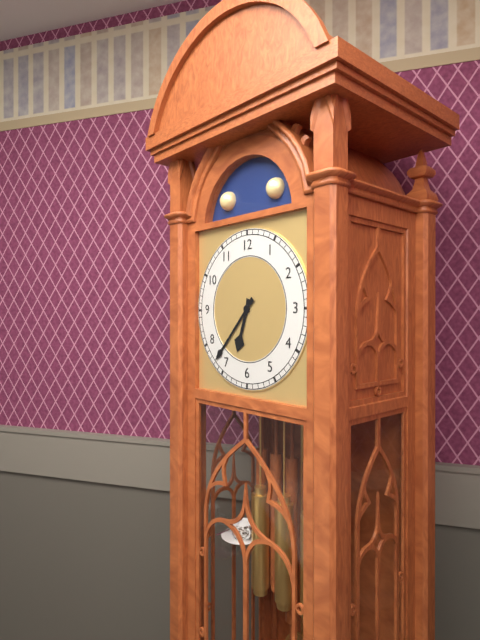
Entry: h=6 m=37
